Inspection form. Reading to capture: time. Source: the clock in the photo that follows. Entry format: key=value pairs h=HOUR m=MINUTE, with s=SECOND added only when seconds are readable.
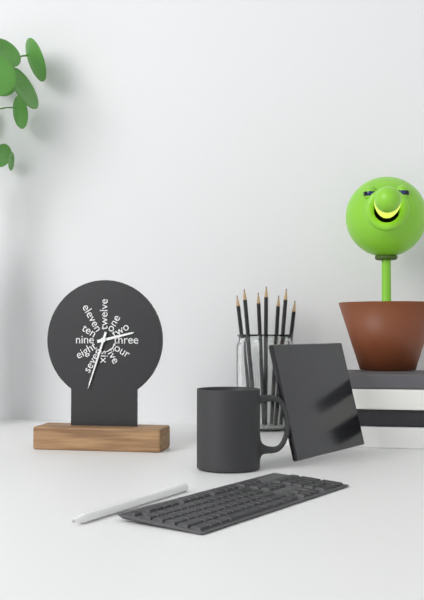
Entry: h=2 m=33
